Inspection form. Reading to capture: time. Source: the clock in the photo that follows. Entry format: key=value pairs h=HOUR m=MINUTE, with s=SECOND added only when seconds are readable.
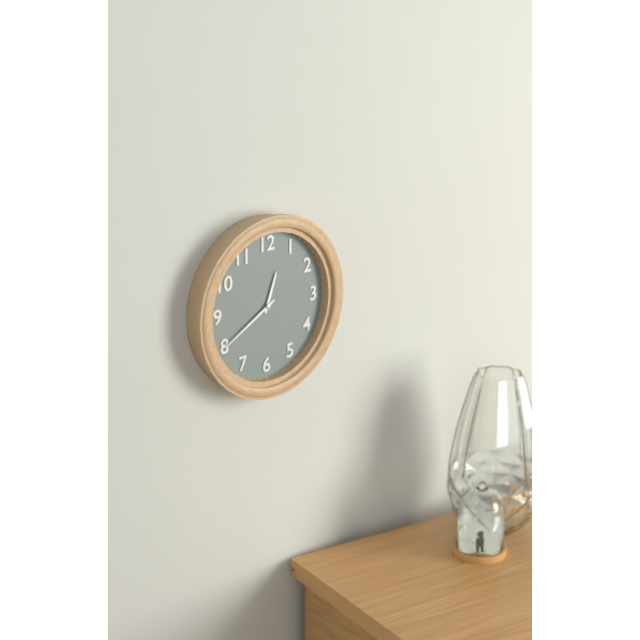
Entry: h=12 m=40
